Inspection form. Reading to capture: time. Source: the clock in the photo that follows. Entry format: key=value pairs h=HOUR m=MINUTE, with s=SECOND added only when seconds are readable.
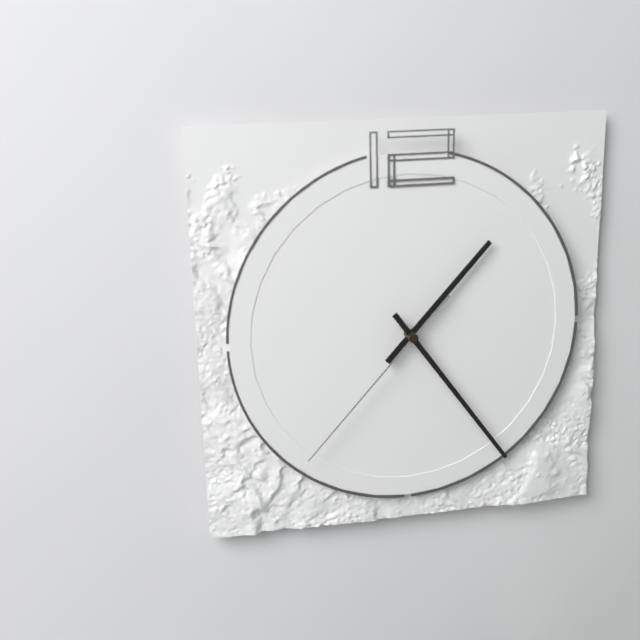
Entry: h=1 m=24 s=37
